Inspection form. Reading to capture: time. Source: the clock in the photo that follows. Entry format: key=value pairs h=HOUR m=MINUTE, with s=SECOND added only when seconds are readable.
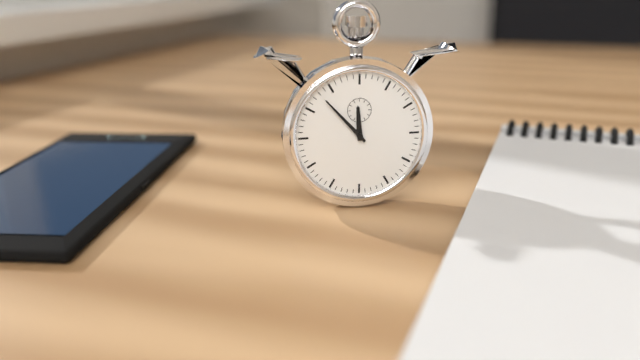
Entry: h=11 m=53
